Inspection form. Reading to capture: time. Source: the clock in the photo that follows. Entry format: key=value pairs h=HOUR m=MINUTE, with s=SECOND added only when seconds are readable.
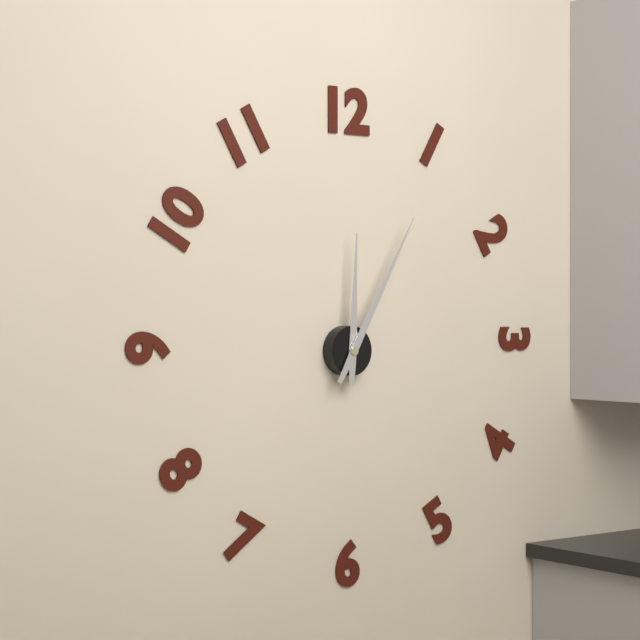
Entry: h=12 m=5
